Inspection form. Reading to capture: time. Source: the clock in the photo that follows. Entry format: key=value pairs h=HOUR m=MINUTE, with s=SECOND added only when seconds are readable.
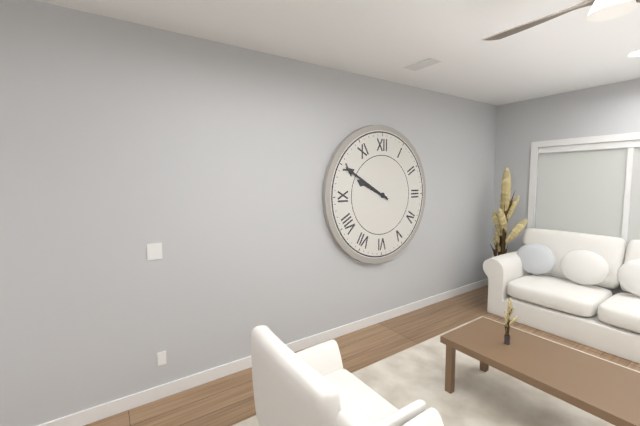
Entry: h=9 m=50
